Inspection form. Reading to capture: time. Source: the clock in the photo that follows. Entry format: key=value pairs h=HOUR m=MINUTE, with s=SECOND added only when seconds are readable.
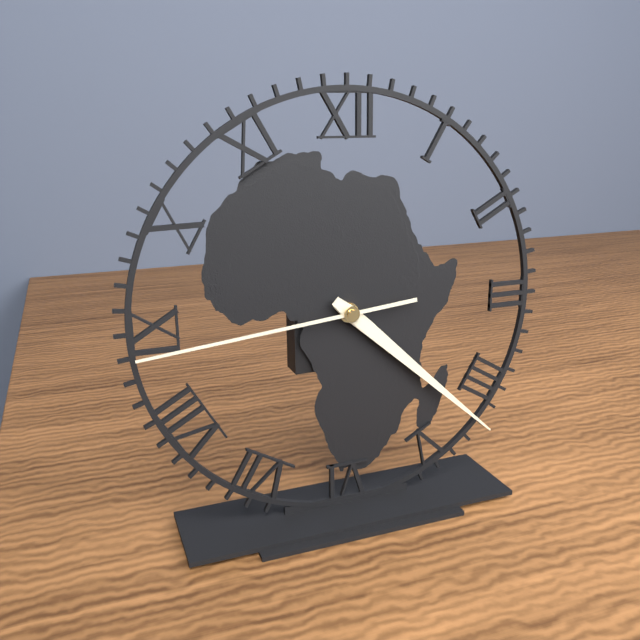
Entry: h=4 m=22 s=44
